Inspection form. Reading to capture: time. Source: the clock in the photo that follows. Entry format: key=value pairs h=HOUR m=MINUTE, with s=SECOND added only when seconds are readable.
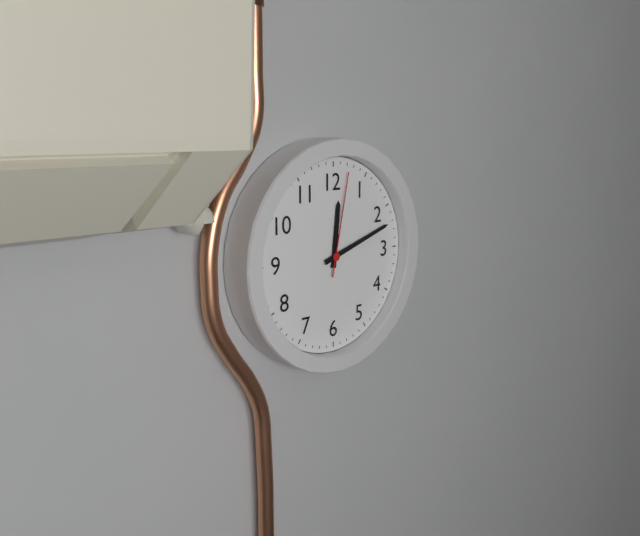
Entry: h=12 m=12 s=2
